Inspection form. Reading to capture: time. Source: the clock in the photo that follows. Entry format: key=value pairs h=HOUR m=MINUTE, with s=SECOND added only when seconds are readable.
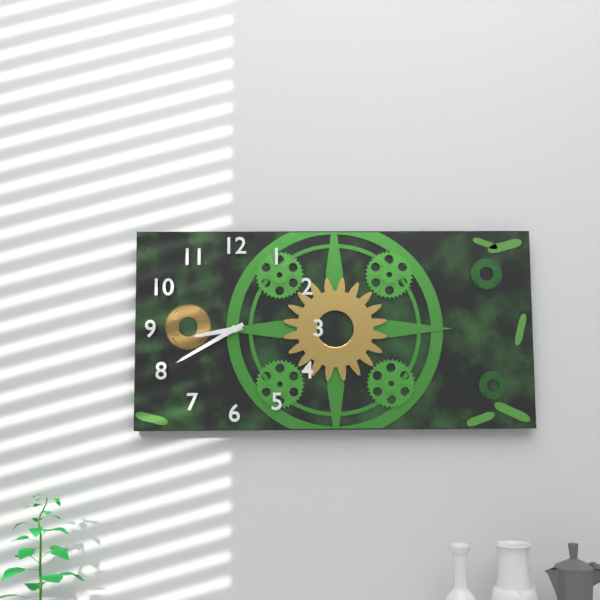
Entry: h=8 m=40
